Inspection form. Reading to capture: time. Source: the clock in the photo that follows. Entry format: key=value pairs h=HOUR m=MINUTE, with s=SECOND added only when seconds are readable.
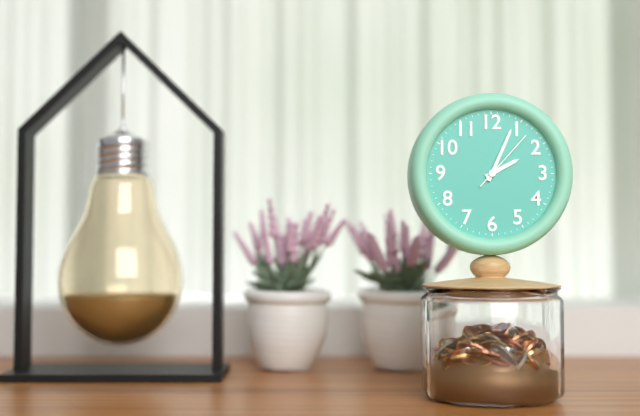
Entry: h=2 m=4 s=7
